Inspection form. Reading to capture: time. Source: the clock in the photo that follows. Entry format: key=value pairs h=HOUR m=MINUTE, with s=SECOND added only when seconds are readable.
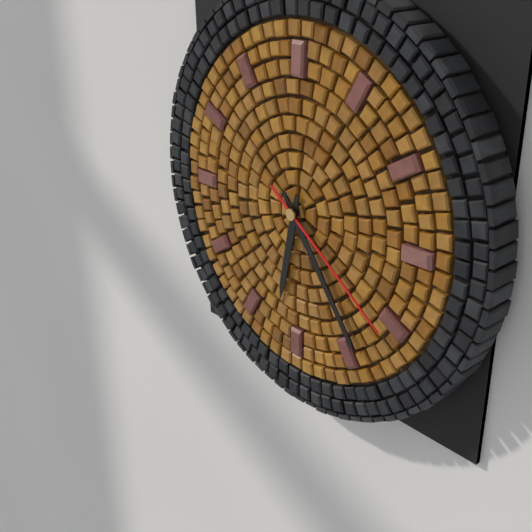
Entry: h=6 m=24 s=21
